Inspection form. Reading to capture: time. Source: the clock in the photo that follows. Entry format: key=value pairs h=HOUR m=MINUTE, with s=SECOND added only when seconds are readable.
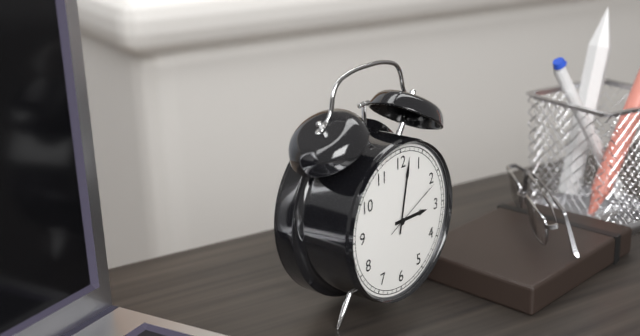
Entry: h=3 m=2 s=11
